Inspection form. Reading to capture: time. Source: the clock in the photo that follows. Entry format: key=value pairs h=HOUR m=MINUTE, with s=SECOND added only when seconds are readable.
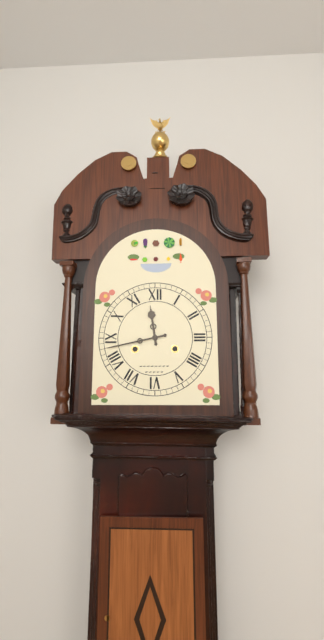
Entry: h=11 m=43
